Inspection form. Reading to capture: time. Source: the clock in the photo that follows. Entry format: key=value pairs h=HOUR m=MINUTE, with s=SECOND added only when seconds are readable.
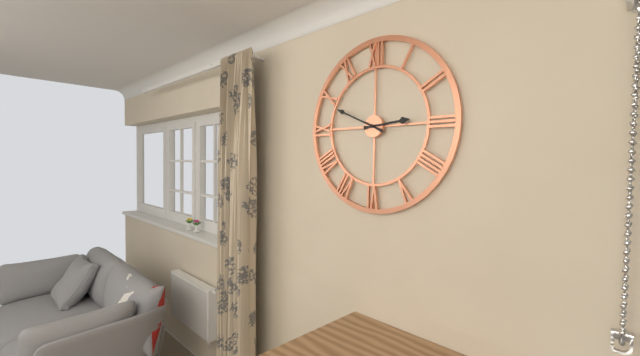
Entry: h=2 m=49
